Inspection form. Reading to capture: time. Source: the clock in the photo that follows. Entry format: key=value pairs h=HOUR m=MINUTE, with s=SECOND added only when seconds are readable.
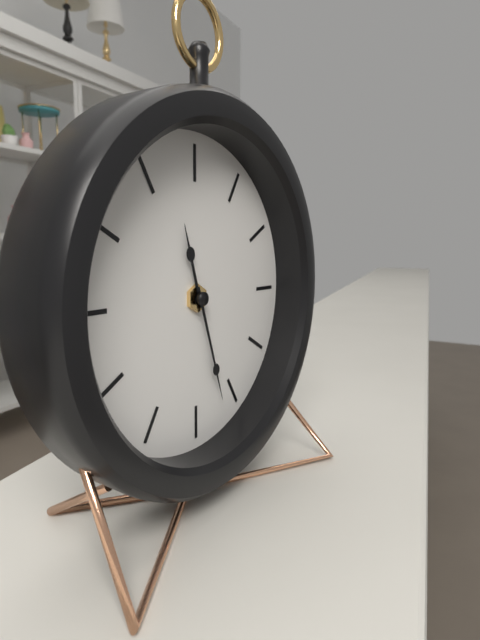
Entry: h=11 m=27
